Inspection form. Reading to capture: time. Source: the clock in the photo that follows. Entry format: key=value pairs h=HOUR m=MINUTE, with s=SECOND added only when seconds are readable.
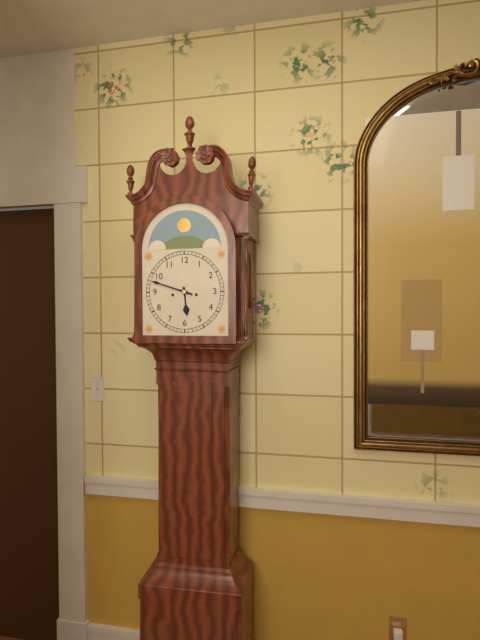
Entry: h=5 m=48
